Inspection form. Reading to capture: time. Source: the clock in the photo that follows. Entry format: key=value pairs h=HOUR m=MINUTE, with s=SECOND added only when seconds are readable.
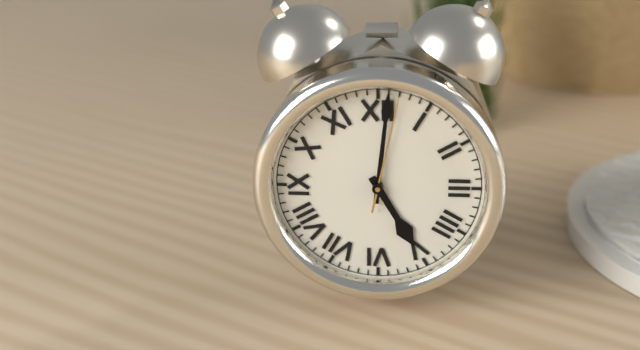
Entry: h=5 m=1 s=2
